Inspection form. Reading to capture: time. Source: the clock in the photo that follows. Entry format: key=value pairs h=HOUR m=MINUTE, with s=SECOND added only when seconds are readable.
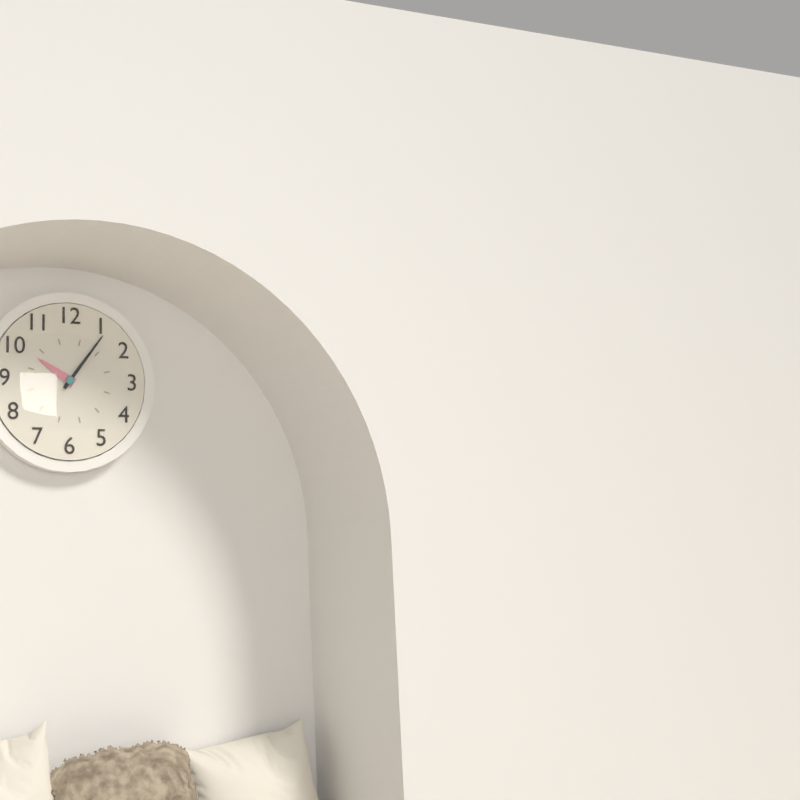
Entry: h=10 m=6
